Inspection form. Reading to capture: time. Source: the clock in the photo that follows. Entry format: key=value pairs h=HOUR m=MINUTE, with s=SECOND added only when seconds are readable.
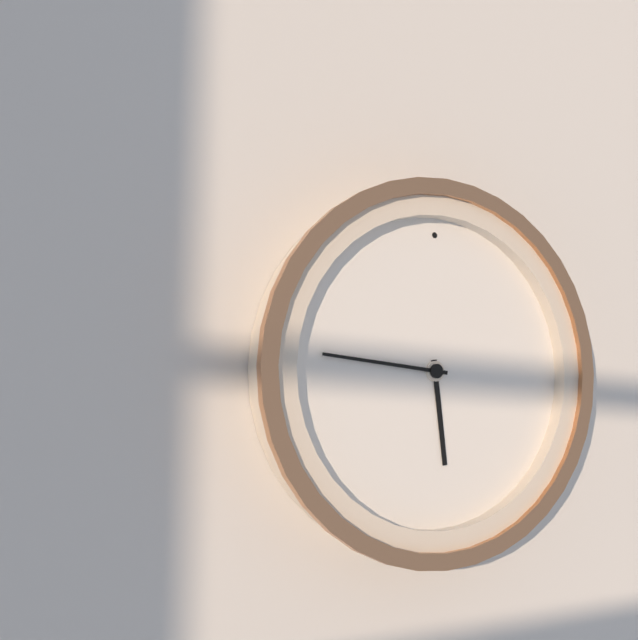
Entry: h=5 m=46
